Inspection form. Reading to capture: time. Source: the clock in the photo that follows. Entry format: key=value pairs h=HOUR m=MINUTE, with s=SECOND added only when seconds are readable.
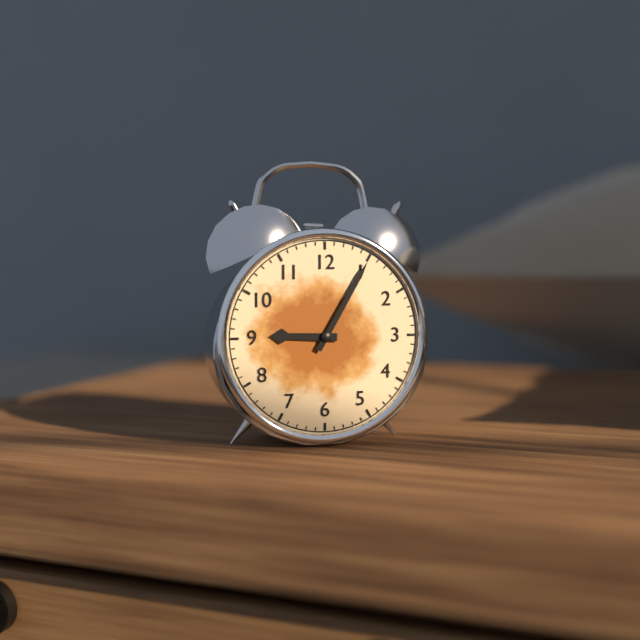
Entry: h=9 m=5
